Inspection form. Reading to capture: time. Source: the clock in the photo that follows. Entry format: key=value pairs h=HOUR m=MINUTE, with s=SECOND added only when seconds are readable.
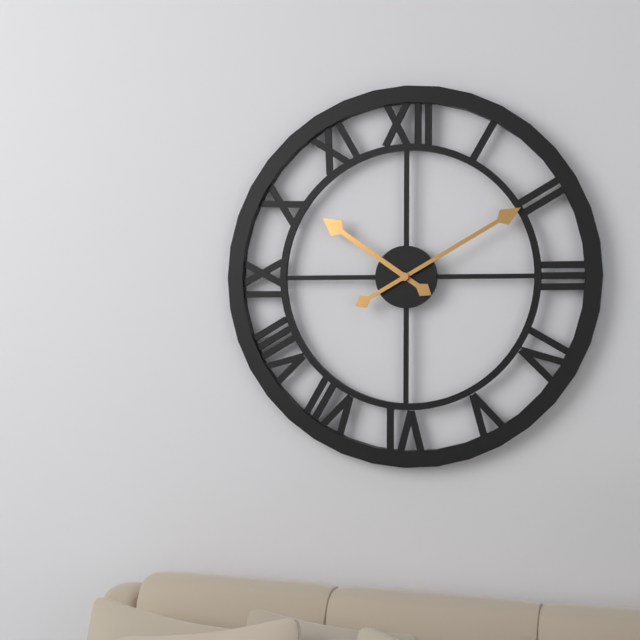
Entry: h=10 m=10
